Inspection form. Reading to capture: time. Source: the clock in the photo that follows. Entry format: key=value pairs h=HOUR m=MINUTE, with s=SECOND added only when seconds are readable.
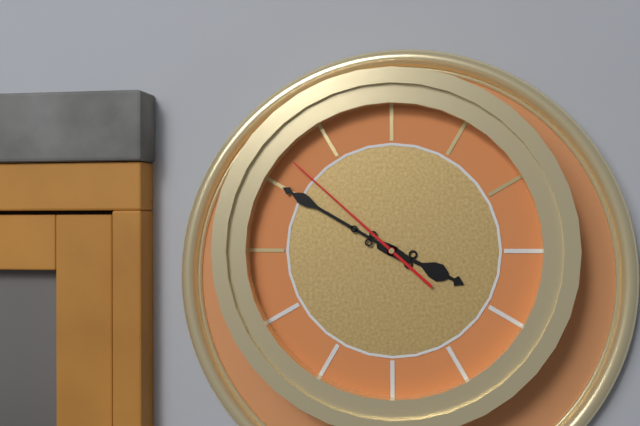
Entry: h=3 m=50 s=52
